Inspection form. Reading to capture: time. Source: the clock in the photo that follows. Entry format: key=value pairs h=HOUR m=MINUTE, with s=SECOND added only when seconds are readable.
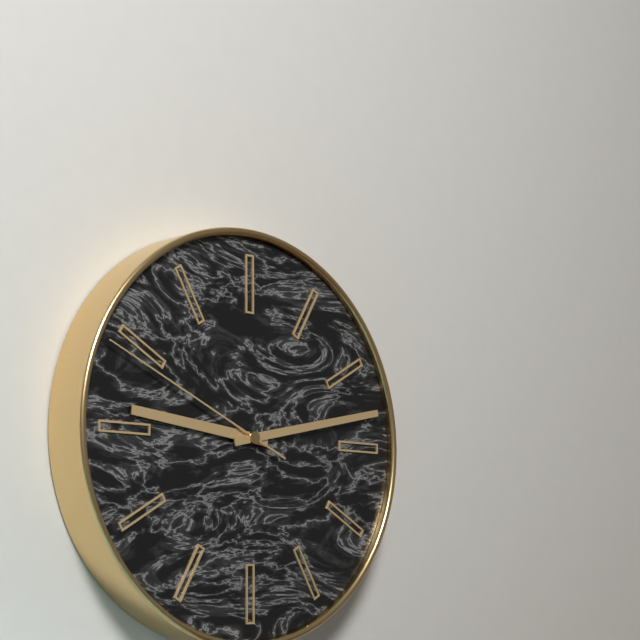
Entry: h=9 m=13 s=49
